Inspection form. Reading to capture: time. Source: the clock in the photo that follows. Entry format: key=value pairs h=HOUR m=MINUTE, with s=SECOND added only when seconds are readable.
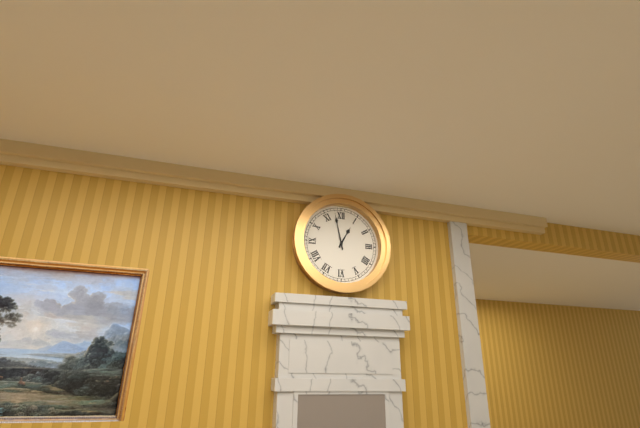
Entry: h=12 m=58
